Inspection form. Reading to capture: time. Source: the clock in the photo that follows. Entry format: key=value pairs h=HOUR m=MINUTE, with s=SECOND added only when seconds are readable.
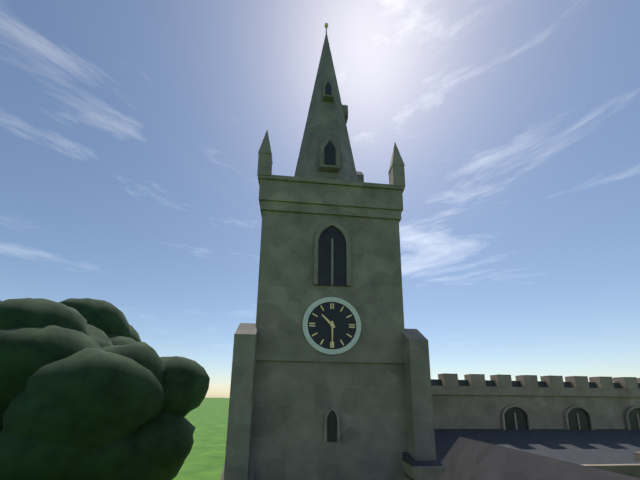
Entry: h=10 m=30
